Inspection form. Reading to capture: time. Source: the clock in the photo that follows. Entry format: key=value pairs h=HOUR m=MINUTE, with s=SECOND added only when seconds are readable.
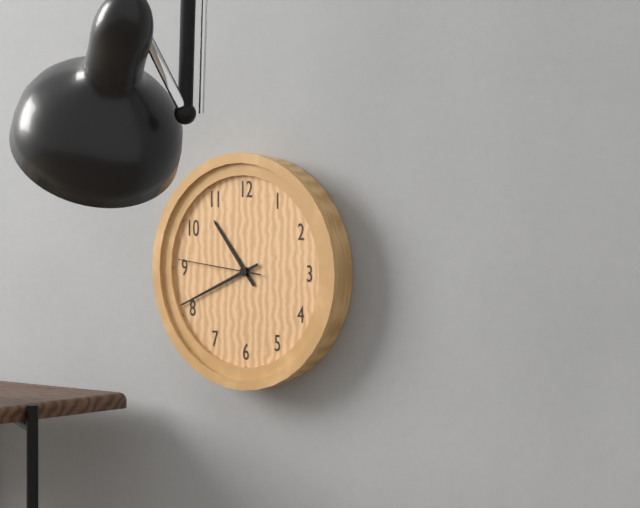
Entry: h=10 m=41 s=46
